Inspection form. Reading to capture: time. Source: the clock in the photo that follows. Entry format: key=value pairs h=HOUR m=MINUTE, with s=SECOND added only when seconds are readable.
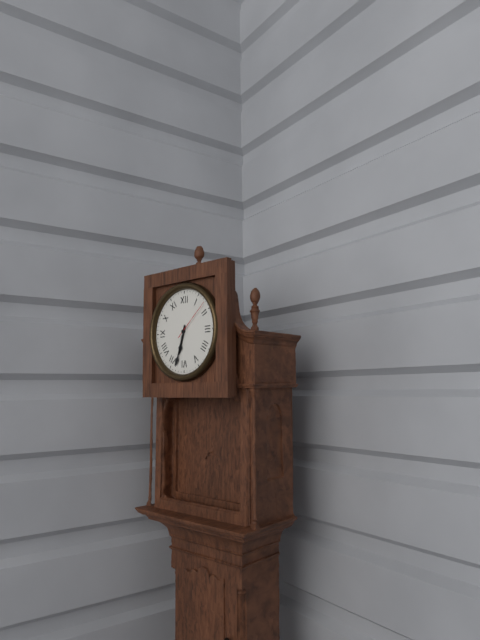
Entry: h=6 m=33
